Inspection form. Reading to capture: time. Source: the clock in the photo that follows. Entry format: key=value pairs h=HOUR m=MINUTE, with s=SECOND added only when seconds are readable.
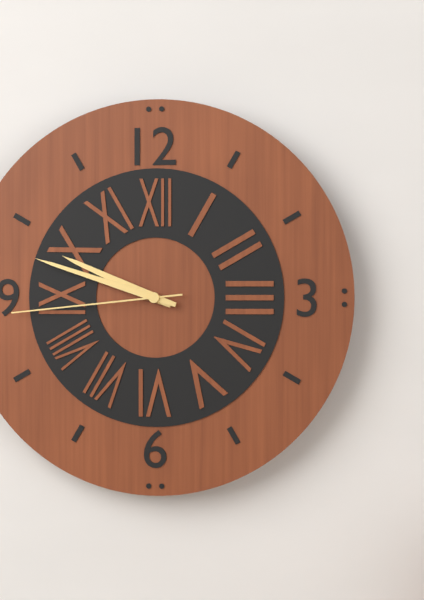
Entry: h=9 m=48 s=44
